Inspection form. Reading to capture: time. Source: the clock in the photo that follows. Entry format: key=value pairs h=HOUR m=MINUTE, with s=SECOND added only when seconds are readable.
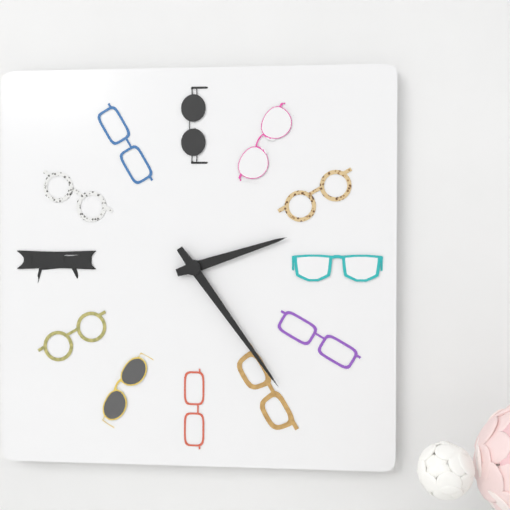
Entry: h=2 m=24
